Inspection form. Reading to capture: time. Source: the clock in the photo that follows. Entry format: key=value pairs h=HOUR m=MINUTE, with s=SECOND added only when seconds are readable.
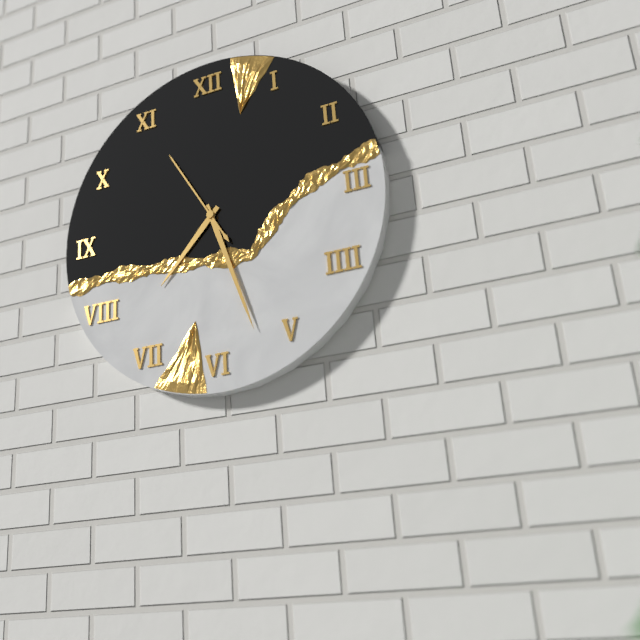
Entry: h=7 m=27 s=55
